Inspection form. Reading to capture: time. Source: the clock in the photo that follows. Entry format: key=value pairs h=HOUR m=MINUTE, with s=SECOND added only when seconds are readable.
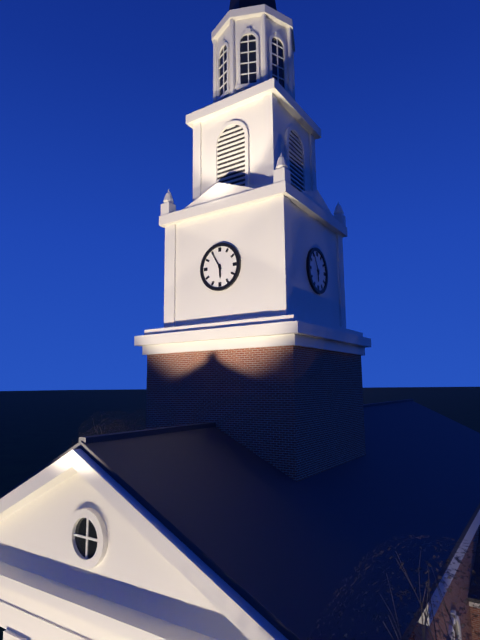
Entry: h=5 m=55
